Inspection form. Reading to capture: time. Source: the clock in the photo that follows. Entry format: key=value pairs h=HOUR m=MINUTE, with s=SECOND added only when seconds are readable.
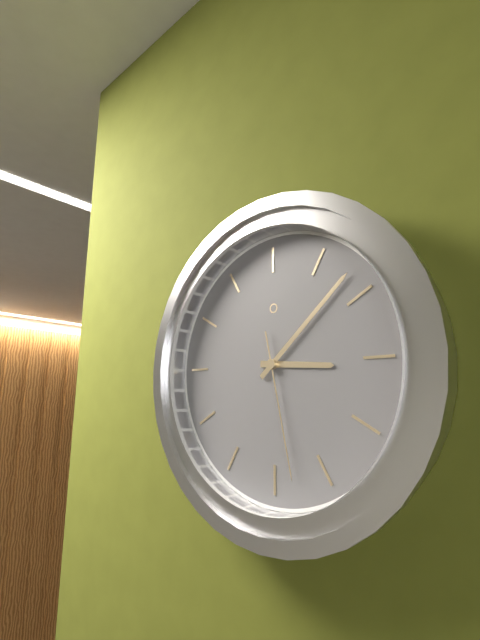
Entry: h=3 m=8 s=28
